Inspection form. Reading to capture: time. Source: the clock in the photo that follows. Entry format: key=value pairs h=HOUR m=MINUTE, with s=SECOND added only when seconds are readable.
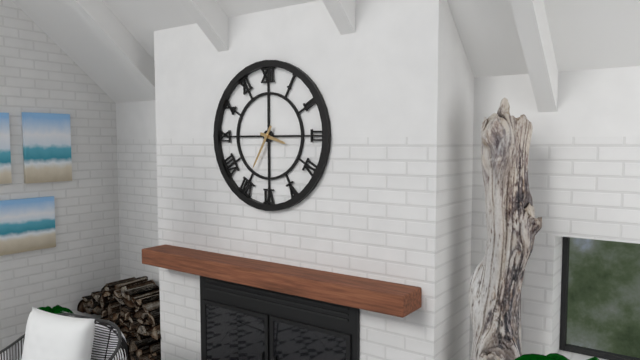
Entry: h=3 m=35
